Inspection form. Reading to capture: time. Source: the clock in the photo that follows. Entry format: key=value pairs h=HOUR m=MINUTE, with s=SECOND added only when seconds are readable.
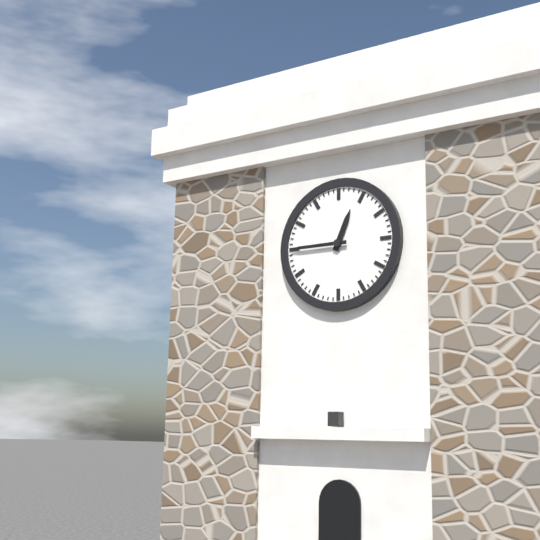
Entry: h=12 m=45
